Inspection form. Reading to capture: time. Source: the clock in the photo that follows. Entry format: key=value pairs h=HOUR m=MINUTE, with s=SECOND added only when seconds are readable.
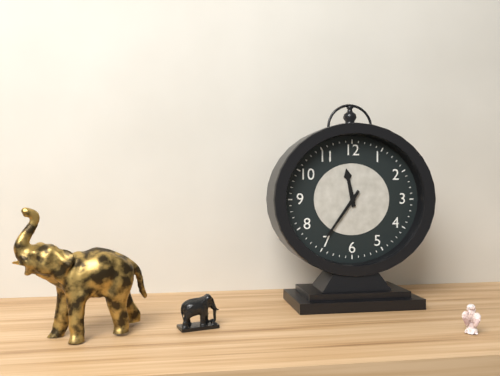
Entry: h=11 m=36
